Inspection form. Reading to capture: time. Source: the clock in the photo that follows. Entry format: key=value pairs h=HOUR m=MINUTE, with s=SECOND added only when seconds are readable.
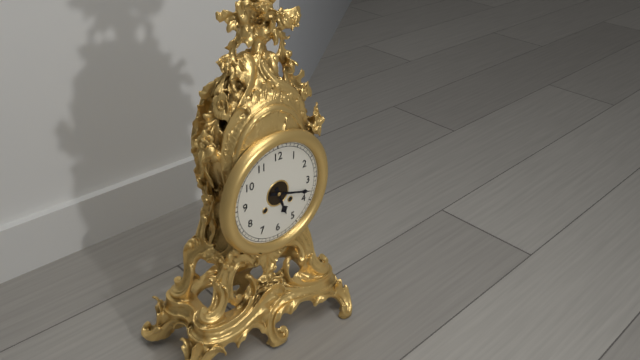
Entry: h=5 m=18
